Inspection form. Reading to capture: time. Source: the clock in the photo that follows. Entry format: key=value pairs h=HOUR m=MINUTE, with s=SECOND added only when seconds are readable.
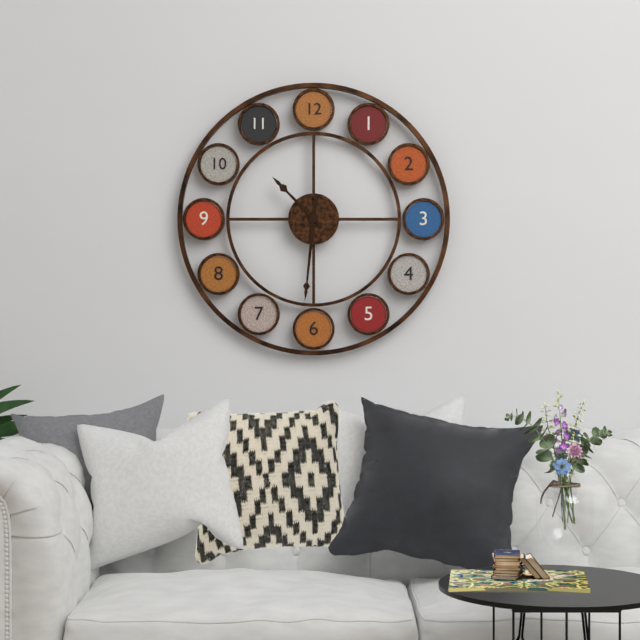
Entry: h=10 m=31
